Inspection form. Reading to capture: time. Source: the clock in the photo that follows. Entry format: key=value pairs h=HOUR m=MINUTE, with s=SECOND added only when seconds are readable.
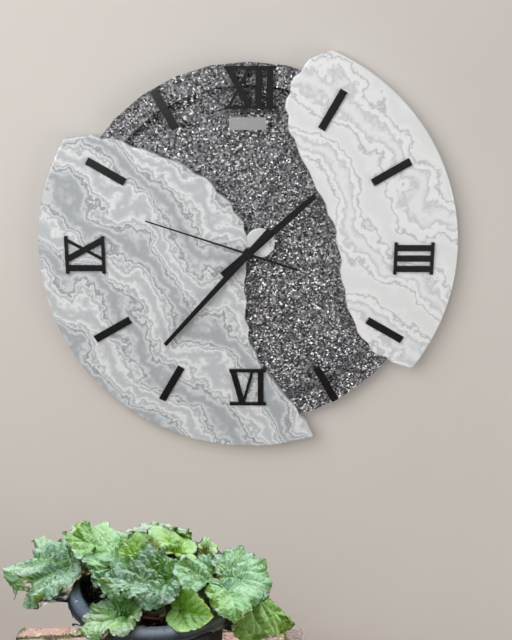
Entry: h=1 m=37 s=48
